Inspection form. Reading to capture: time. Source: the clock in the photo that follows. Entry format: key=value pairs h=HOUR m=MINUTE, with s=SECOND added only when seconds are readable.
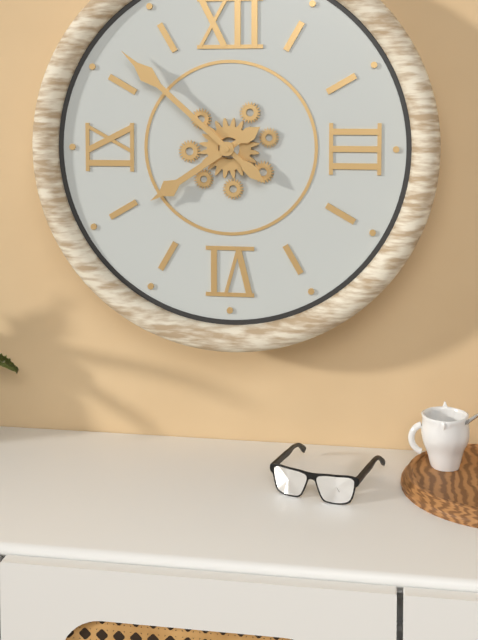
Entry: h=7 m=52
